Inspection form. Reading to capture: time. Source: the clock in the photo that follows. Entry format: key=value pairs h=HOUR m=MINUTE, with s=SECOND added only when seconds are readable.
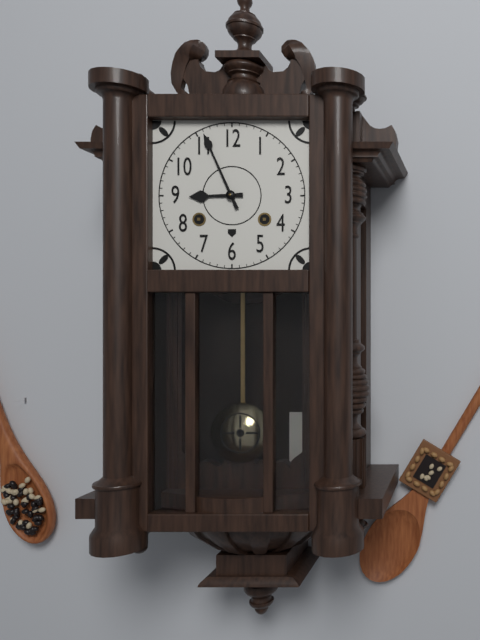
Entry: h=8 m=56
